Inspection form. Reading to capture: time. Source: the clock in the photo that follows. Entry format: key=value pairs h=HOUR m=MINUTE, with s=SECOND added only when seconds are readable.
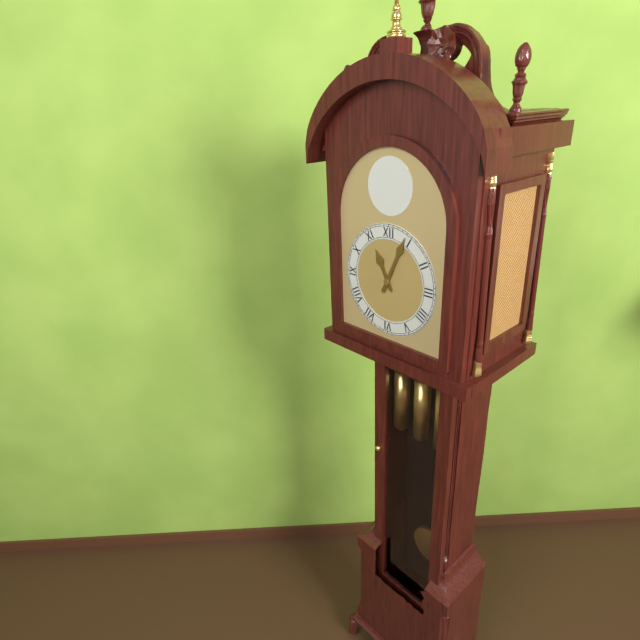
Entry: h=11 m=4
